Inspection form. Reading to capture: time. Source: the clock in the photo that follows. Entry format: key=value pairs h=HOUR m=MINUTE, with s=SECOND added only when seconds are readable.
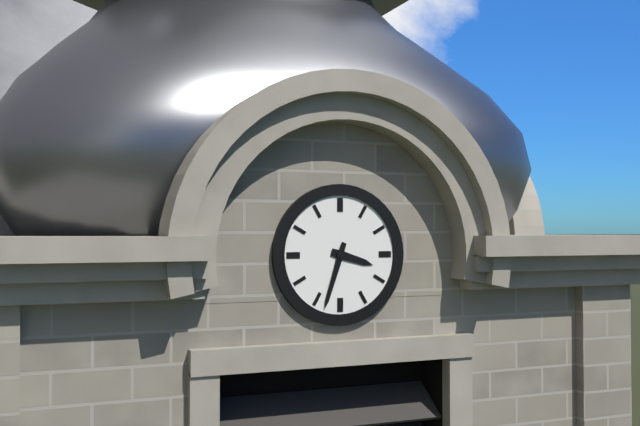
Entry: h=3 m=33
